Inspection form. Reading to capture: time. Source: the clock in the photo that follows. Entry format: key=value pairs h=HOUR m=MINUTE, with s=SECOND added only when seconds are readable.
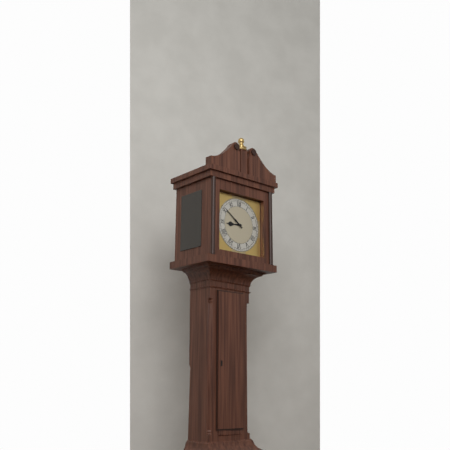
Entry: h=8 m=51
